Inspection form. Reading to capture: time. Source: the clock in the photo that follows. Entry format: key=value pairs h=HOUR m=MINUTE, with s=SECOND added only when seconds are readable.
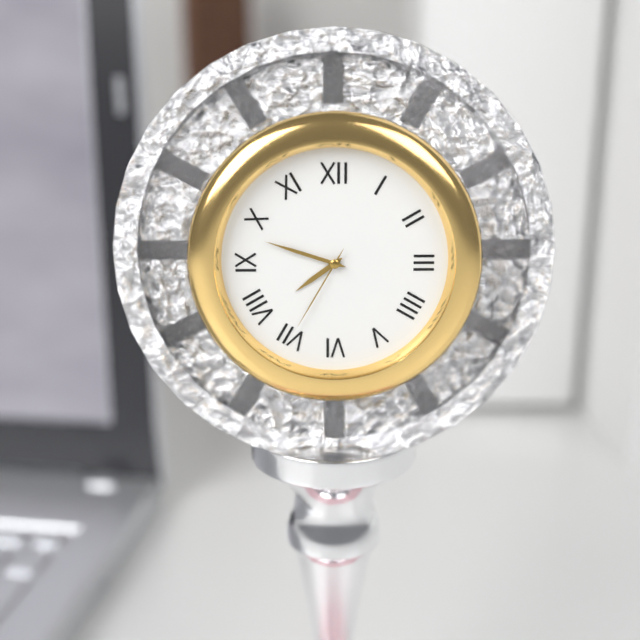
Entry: h=7 m=48 s=35
